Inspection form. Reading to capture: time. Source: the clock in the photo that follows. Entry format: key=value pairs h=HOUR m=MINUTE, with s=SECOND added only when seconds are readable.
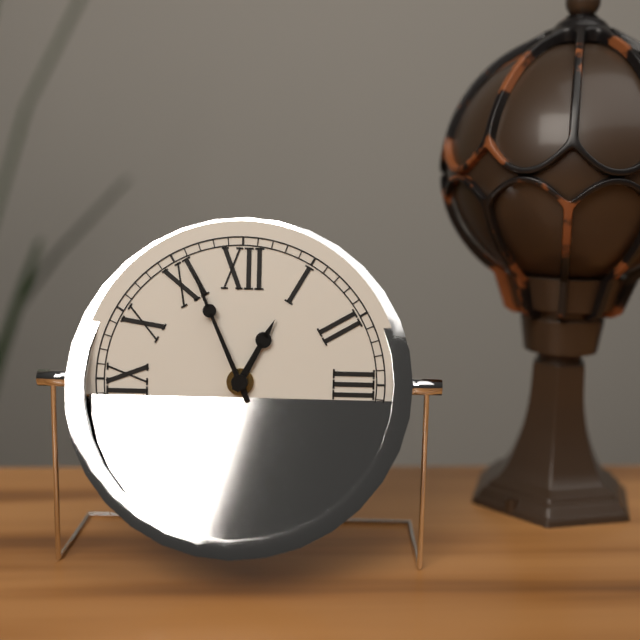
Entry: h=12 m=56
